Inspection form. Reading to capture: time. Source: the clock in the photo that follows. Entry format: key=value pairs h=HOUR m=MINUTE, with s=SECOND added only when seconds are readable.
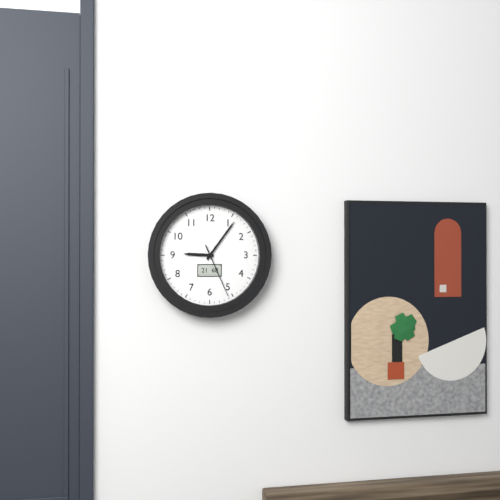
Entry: h=9 m=6 s=26
